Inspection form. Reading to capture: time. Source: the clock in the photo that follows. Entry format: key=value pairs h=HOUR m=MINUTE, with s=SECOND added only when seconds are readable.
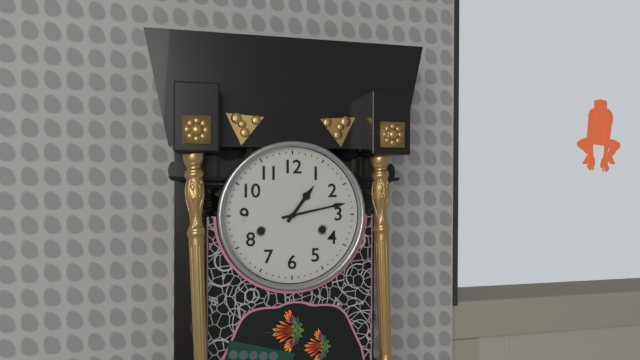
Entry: h=1 m=13
